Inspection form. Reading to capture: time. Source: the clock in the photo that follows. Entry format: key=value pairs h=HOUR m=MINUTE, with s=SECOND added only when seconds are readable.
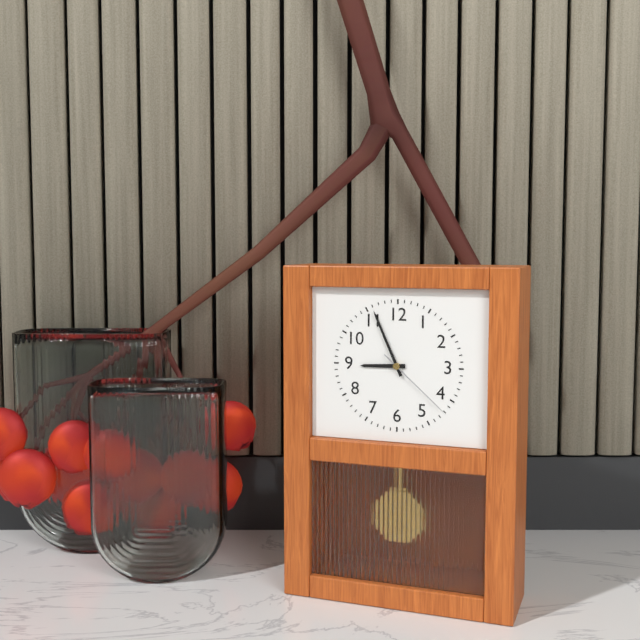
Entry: h=8 m=56 s=22
